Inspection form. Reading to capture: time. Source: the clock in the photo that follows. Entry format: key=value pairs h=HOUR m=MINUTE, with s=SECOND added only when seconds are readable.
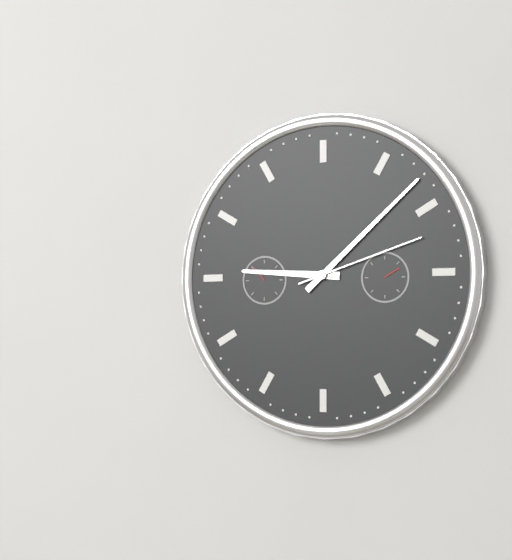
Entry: h=9 m=8 s=12
